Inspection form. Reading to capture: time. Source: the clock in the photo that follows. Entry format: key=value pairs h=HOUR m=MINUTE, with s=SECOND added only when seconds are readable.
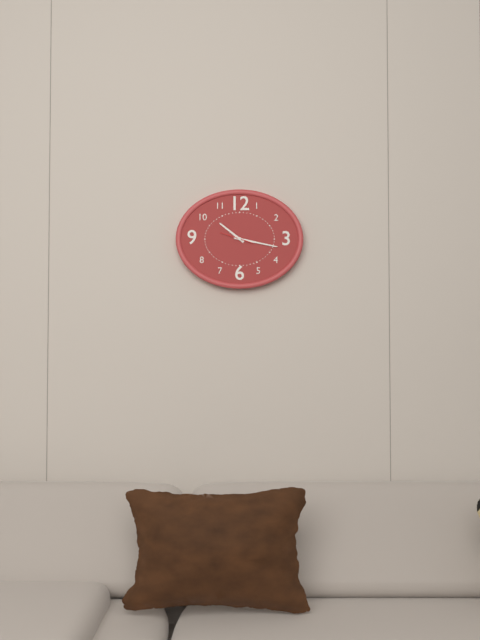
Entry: h=10 m=17
